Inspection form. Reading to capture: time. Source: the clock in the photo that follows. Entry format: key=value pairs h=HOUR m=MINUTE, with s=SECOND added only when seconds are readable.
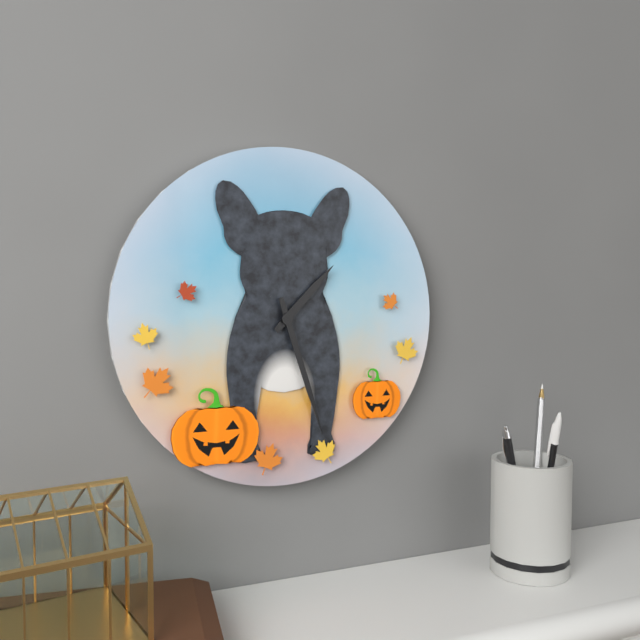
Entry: h=1 m=27
